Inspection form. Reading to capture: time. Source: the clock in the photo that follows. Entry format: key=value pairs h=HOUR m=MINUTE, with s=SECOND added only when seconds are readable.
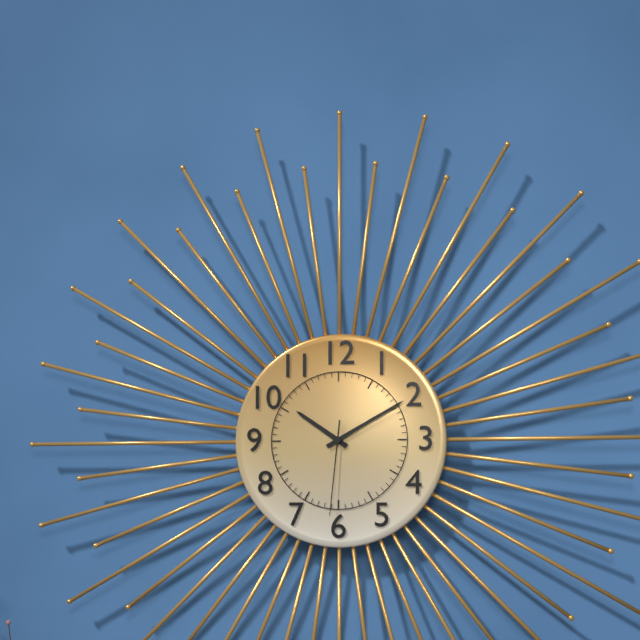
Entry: h=10 m=10 s=31
